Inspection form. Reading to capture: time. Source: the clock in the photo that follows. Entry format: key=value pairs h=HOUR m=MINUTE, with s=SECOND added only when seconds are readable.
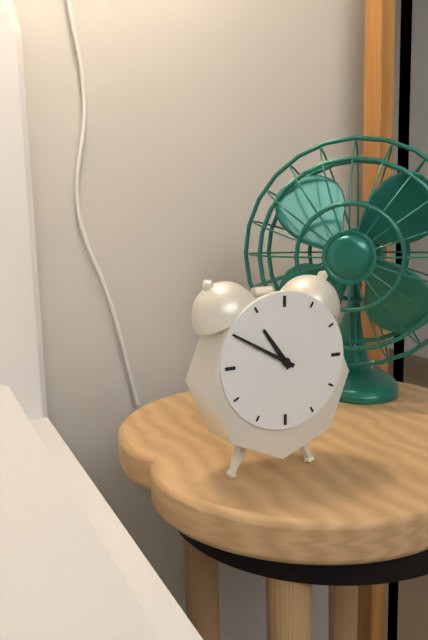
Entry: h=10 m=50
